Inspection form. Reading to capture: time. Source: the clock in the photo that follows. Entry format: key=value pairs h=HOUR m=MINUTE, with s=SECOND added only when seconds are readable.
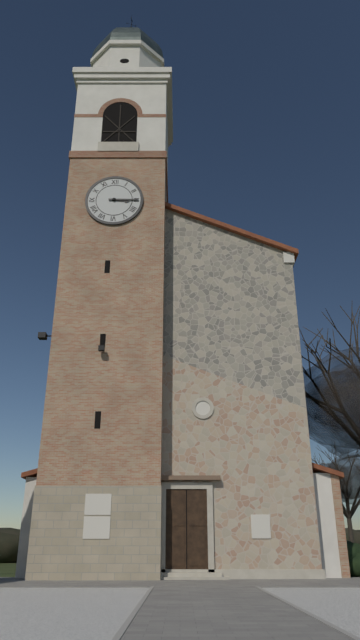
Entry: h=3 m=15
